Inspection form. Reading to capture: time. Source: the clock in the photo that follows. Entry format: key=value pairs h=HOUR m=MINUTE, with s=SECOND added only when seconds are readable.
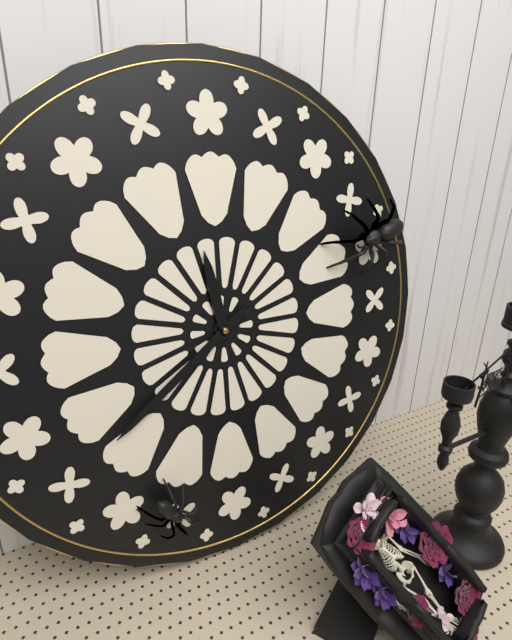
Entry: h=11 m=39
